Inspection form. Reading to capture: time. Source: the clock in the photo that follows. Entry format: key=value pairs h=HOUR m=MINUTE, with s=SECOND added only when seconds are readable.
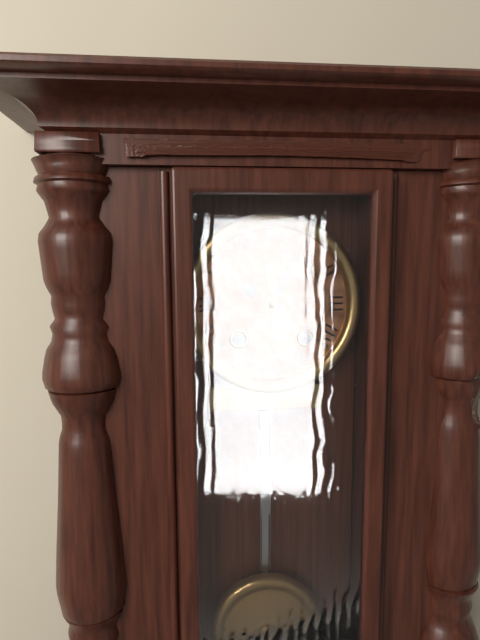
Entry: h=10 m=4
